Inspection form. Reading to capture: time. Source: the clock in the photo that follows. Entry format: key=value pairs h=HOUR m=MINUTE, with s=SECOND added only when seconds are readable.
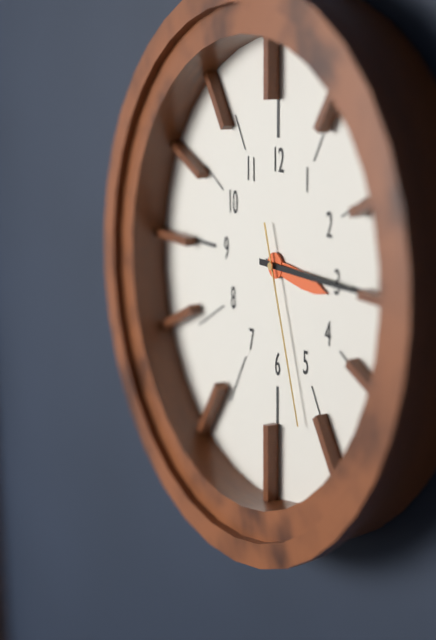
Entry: h=3 m=15 s=27
